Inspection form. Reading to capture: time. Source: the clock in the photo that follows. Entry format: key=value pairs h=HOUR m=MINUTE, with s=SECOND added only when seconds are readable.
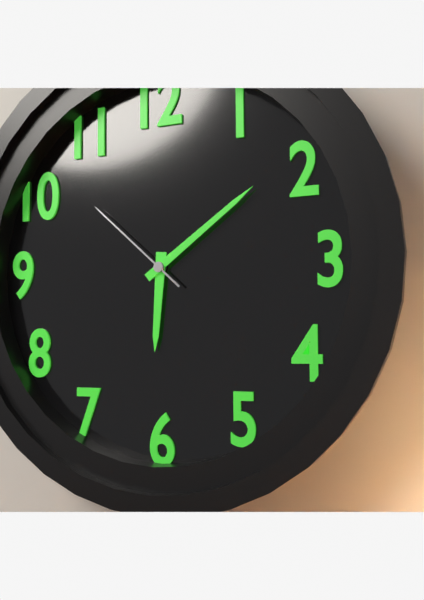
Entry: h=6 m=9 s=52
